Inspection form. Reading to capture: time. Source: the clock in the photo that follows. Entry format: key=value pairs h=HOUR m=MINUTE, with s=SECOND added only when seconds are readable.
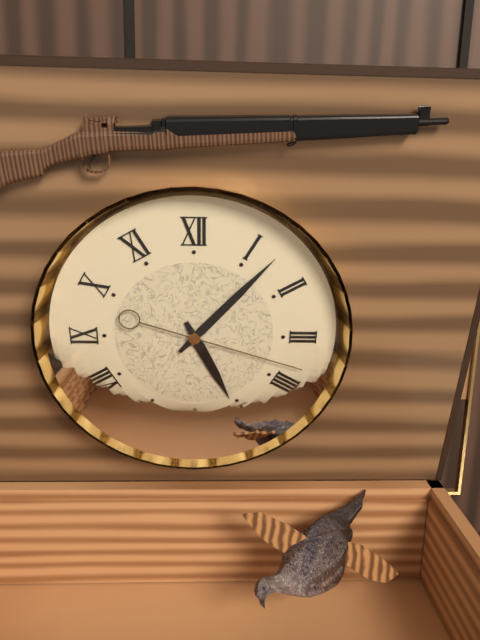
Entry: h=5 m=7 s=18
